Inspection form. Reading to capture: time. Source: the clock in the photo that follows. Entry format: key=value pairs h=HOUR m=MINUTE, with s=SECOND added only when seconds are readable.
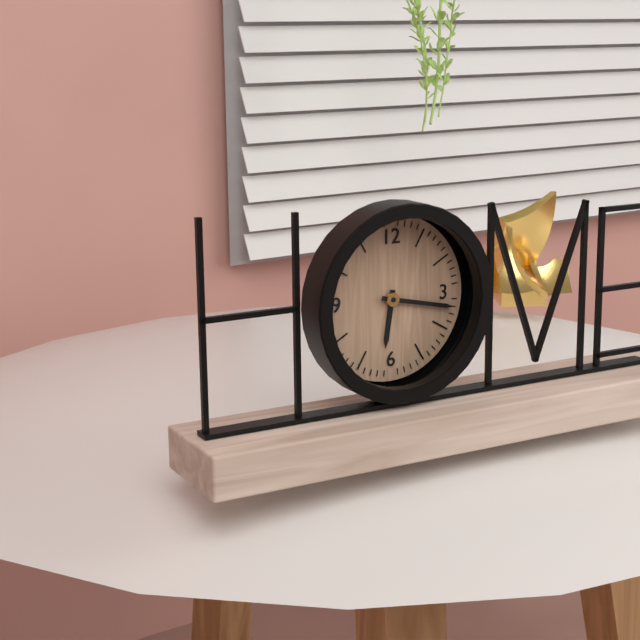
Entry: h=6 m=17
